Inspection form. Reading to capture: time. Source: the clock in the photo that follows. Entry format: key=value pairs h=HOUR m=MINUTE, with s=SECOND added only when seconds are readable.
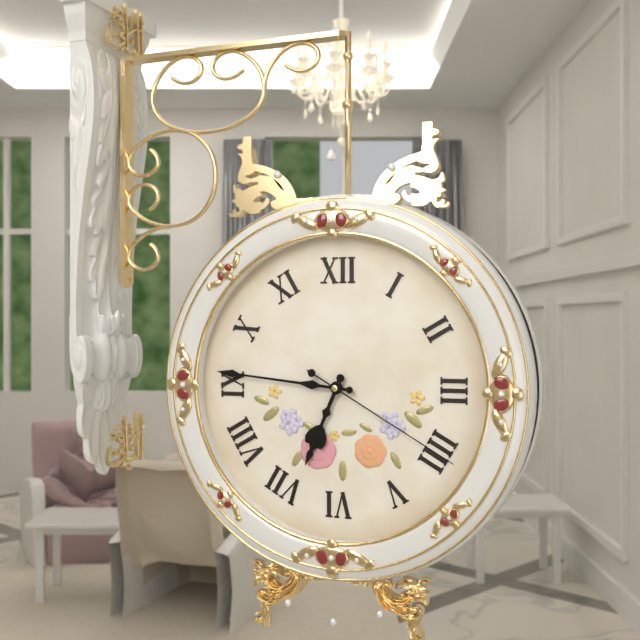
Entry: h=6 m=46 s=20
